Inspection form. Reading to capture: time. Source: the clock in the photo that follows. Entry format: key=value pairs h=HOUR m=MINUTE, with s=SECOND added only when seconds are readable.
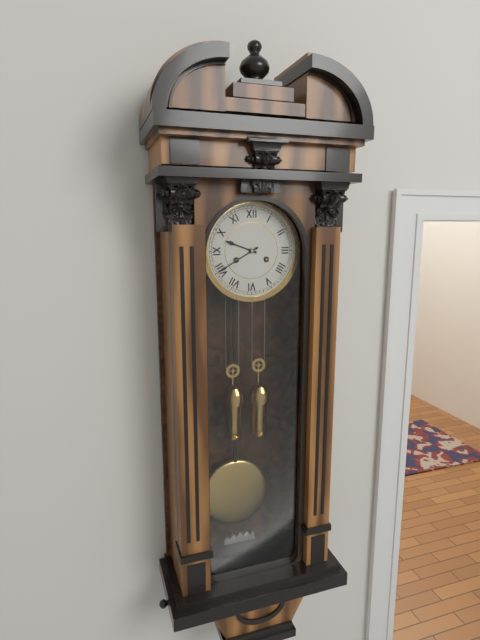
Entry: h=9 m=40
